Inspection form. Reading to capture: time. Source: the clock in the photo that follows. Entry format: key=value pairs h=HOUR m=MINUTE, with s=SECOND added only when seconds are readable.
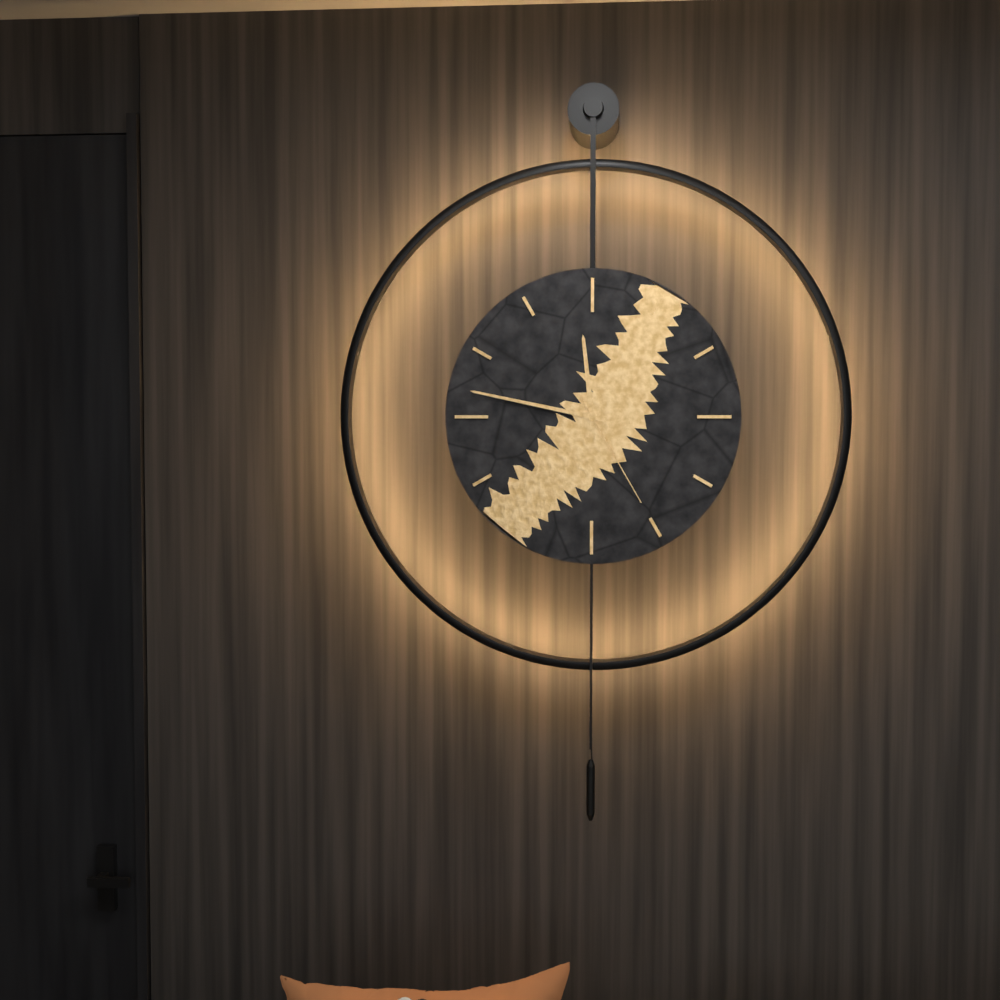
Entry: h=11 m=47 s=25
